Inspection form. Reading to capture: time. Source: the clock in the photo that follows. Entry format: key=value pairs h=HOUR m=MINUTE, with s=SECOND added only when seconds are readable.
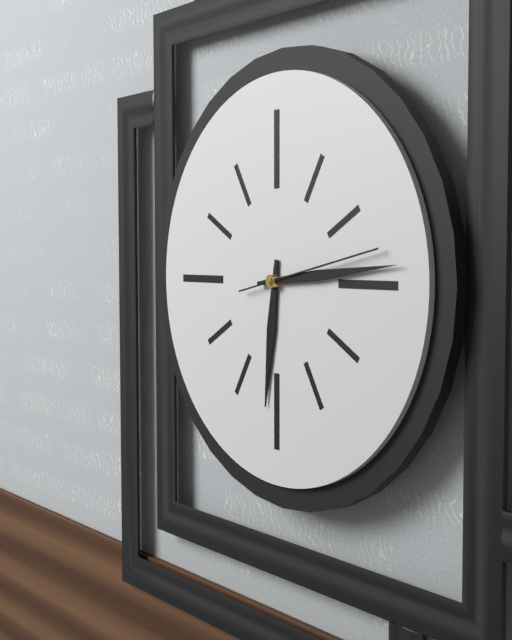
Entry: h=6 m=14 s=13
